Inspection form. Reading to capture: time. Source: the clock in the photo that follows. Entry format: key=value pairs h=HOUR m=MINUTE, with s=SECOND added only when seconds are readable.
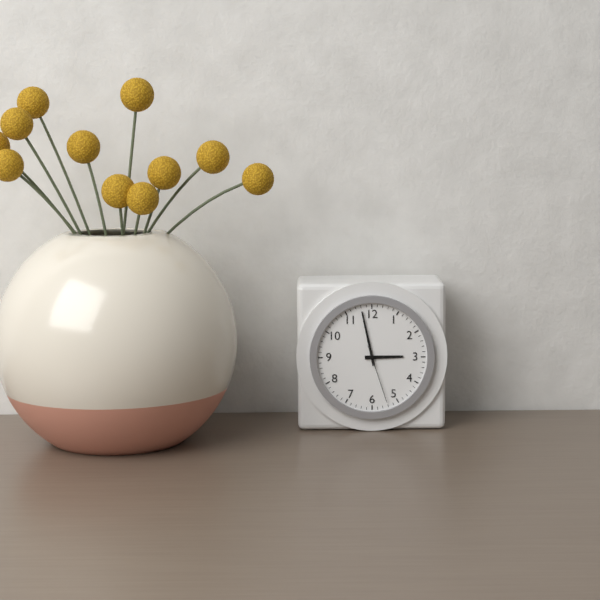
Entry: h=2 m=58 s=27
